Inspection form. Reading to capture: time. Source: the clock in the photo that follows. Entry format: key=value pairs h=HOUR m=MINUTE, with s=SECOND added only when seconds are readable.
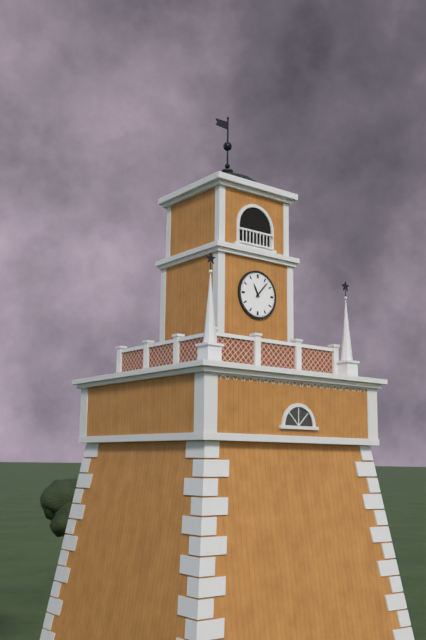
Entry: h=11 m=7
